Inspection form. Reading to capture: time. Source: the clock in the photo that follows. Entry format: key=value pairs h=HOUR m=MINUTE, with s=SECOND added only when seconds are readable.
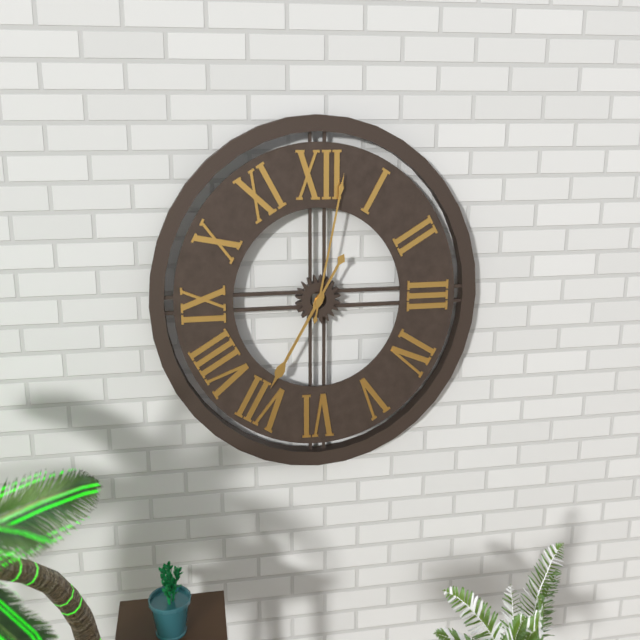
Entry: h=7 m=2
